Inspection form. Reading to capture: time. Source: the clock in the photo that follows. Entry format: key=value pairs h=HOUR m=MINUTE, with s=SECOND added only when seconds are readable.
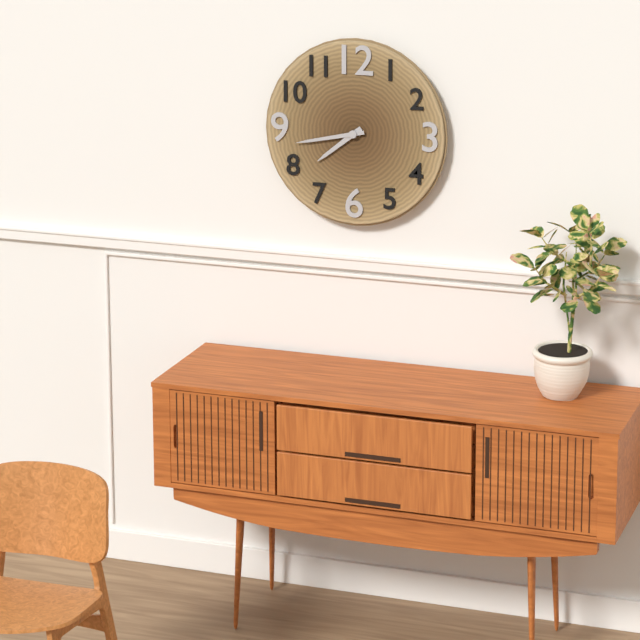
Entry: h=7 m=43
